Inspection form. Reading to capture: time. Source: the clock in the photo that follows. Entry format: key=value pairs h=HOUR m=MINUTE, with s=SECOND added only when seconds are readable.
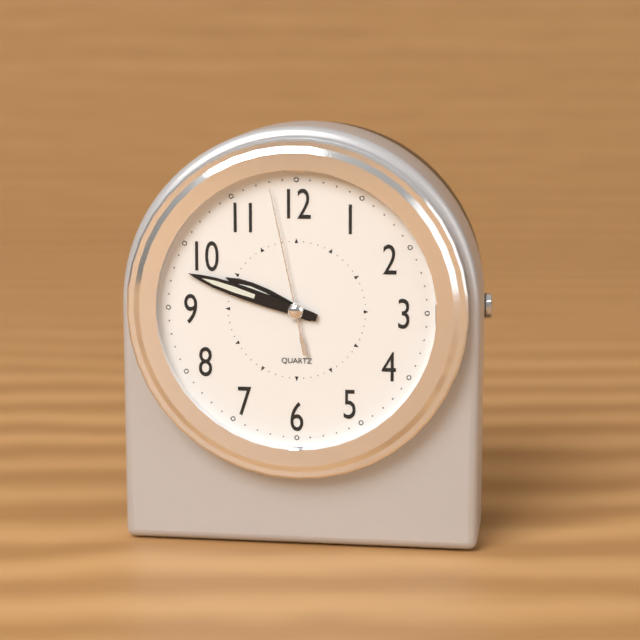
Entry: h=9 m=48 s=58
